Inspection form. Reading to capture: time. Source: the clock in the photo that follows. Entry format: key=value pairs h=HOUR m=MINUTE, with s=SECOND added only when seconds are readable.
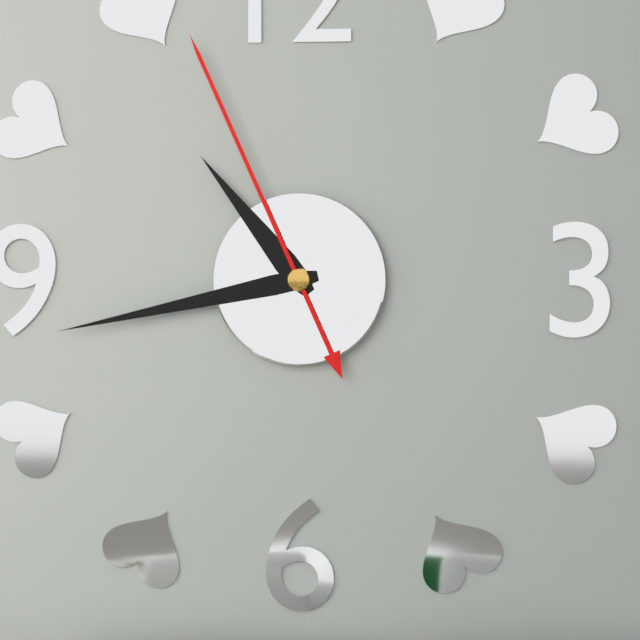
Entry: h=10 m=43 s=56
